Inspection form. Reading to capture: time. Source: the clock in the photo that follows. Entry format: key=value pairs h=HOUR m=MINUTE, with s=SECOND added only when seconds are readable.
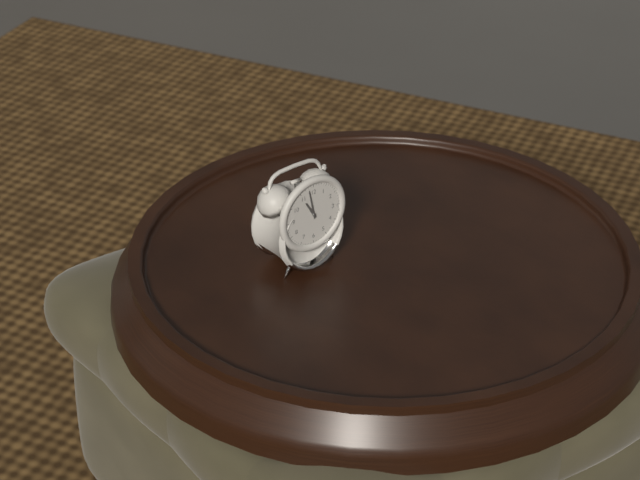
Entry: h=10 m=58
